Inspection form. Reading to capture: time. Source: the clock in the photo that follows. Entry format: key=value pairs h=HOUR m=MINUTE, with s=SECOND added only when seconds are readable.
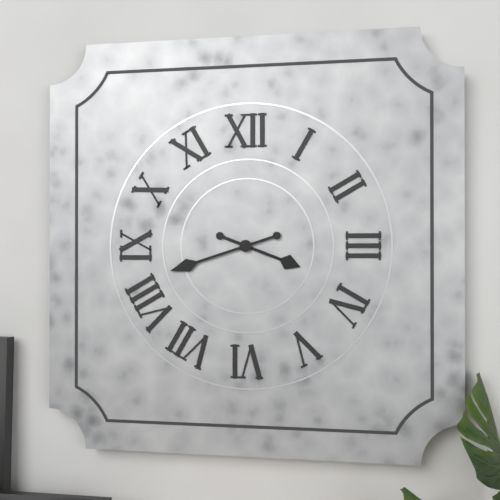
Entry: h=3 m=42
